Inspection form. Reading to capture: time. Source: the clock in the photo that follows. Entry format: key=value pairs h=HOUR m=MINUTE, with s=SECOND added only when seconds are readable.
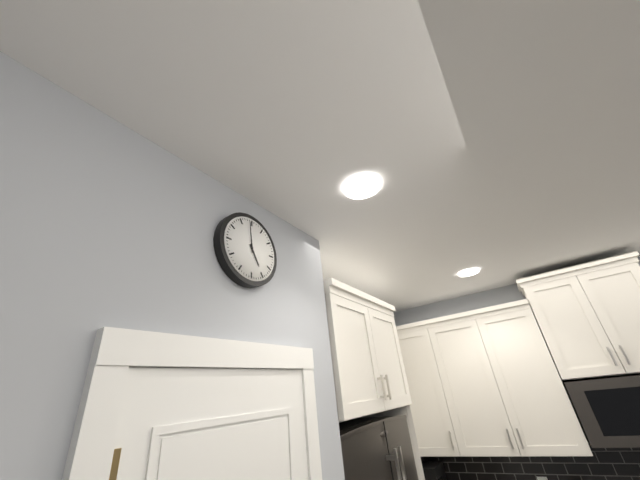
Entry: h=4 m=59
